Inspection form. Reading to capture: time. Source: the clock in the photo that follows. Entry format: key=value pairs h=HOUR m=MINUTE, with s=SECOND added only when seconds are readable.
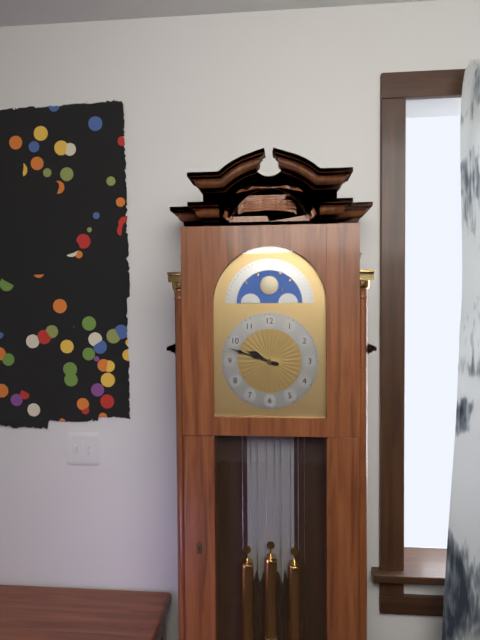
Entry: h=9 m=48
